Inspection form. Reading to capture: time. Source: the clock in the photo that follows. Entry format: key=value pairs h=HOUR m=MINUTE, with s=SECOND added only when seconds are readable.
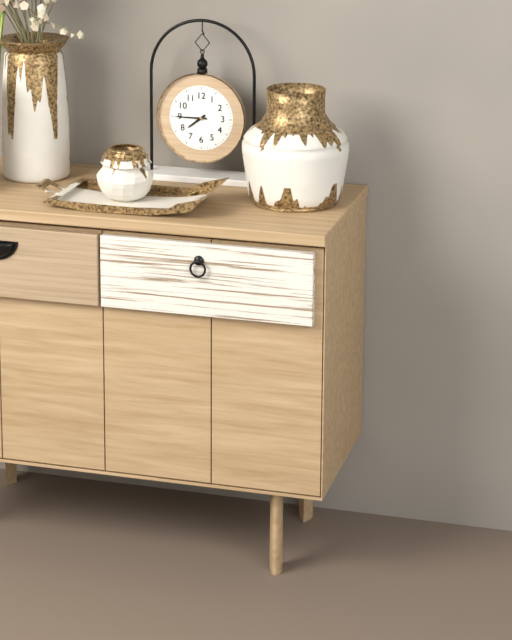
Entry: h=7 m=45
